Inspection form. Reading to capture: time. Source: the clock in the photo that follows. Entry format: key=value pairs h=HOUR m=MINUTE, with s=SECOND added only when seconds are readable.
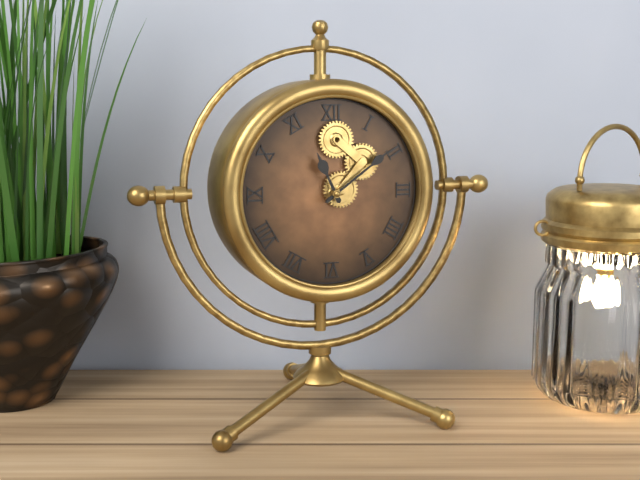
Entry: h=11 m=9
